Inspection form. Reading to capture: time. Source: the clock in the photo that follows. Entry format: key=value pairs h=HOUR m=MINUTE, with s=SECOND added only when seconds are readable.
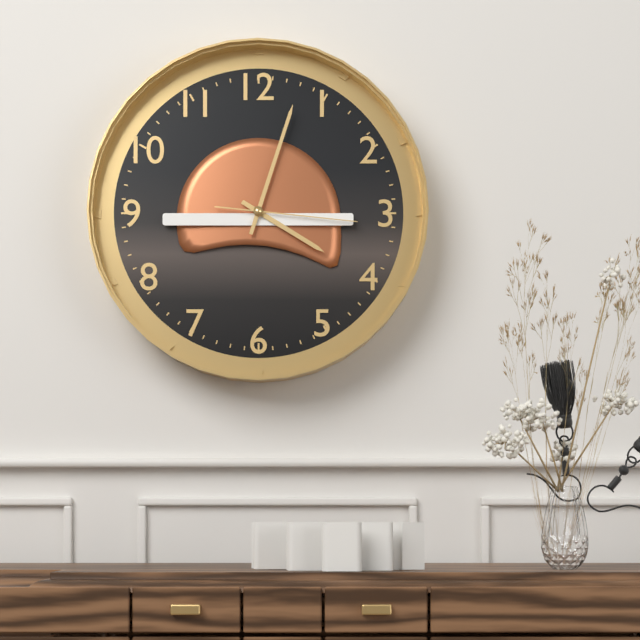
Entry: h=4 m=3 s=16
